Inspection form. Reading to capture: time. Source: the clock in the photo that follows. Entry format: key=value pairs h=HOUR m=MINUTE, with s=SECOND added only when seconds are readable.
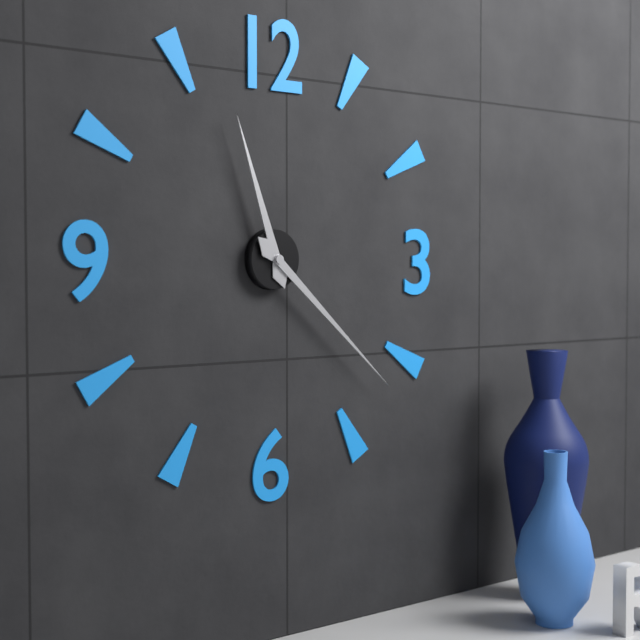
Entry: h=11 m=22
